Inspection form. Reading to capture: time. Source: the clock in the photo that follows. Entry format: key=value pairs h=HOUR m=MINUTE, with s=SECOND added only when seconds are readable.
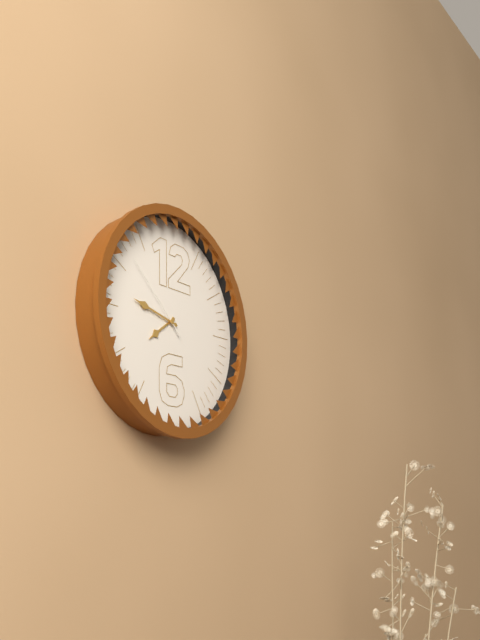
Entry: h=7 m=47 s=52
